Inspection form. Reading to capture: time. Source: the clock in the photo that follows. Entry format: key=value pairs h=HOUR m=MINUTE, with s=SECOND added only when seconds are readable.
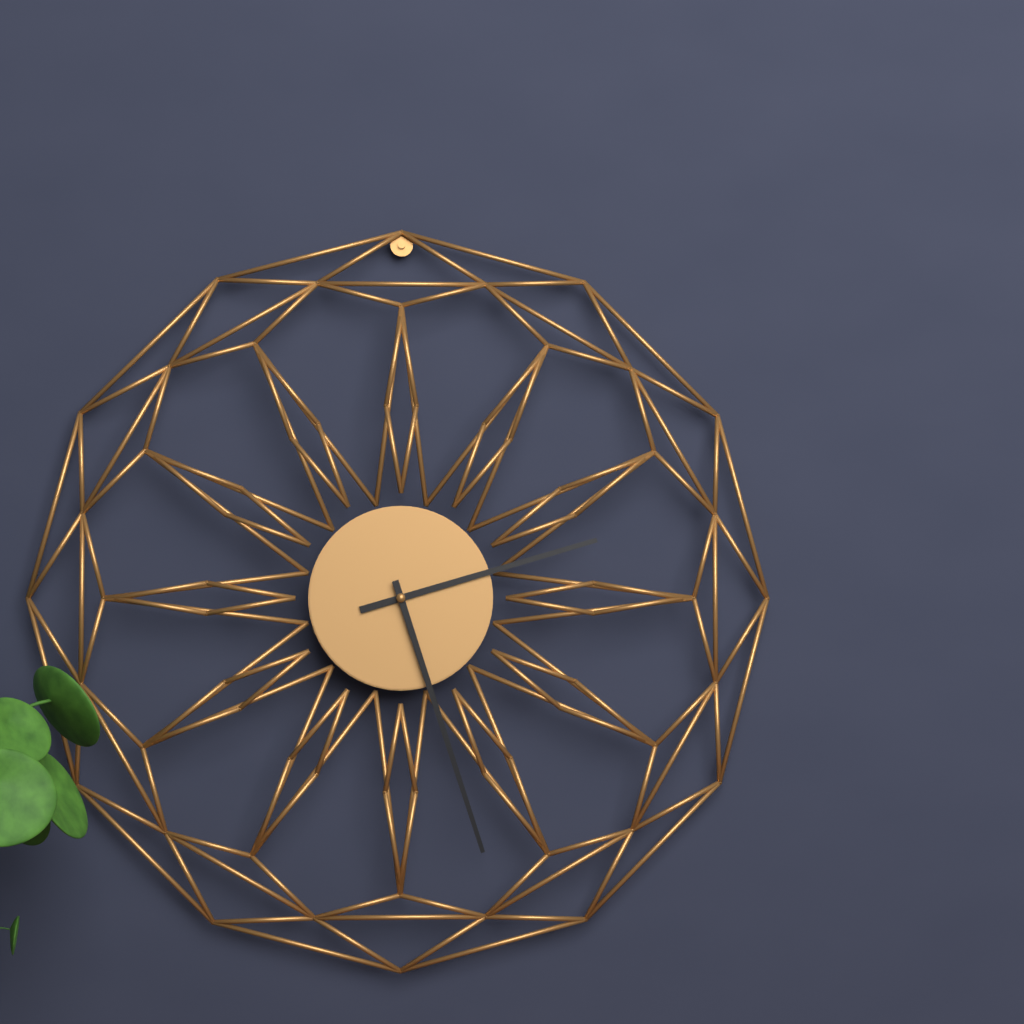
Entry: h=2 m=27
